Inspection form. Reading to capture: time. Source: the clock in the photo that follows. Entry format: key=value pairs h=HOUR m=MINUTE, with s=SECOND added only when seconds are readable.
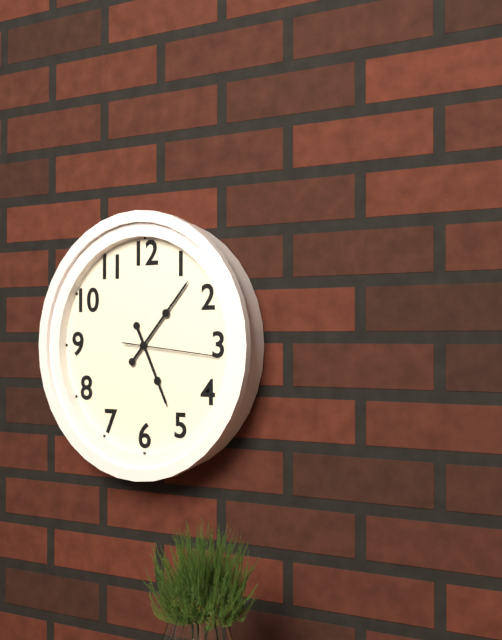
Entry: h=5 m=7 s=16
